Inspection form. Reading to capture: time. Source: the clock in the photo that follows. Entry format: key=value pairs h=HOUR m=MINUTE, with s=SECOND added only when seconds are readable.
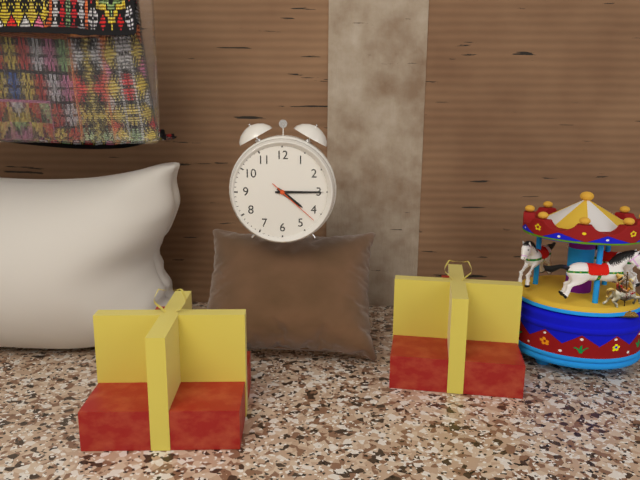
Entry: h=4 m=15 s=22
